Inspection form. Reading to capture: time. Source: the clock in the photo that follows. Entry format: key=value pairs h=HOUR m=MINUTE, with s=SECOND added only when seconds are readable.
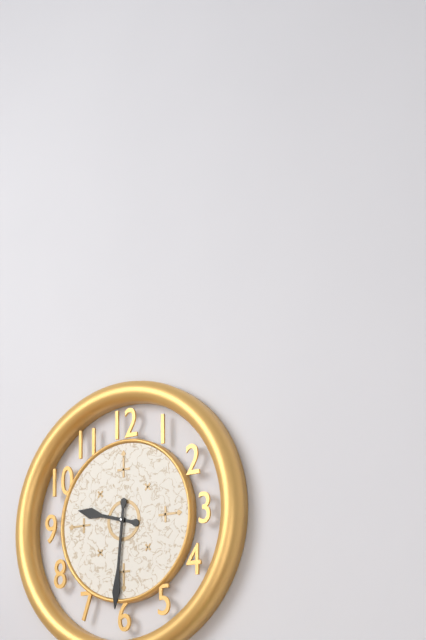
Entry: h=9 m=31
